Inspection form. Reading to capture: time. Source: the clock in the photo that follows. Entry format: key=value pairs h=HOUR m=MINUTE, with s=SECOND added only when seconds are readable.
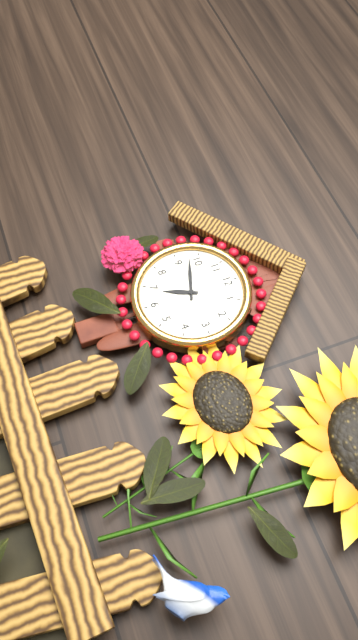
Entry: h=6 m=48
